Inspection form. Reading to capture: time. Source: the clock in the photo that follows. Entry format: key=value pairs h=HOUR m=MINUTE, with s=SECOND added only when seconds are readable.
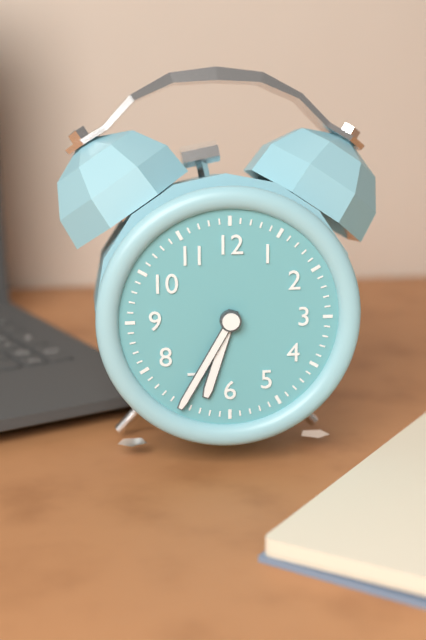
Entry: h=6 m=35
